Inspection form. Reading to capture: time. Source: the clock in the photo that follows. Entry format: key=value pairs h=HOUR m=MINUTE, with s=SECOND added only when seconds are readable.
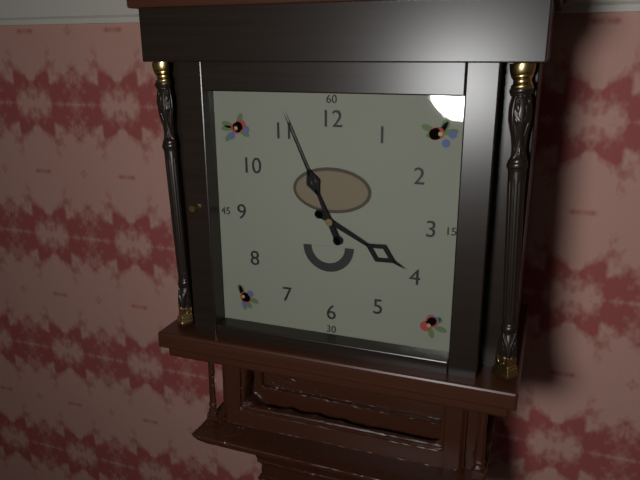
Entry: h=3 m=56
